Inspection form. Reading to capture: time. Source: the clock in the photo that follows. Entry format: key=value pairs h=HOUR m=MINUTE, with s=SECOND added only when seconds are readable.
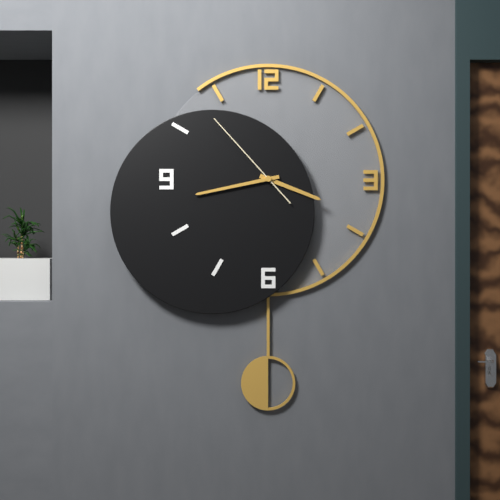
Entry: h=3 m=43 s=53
